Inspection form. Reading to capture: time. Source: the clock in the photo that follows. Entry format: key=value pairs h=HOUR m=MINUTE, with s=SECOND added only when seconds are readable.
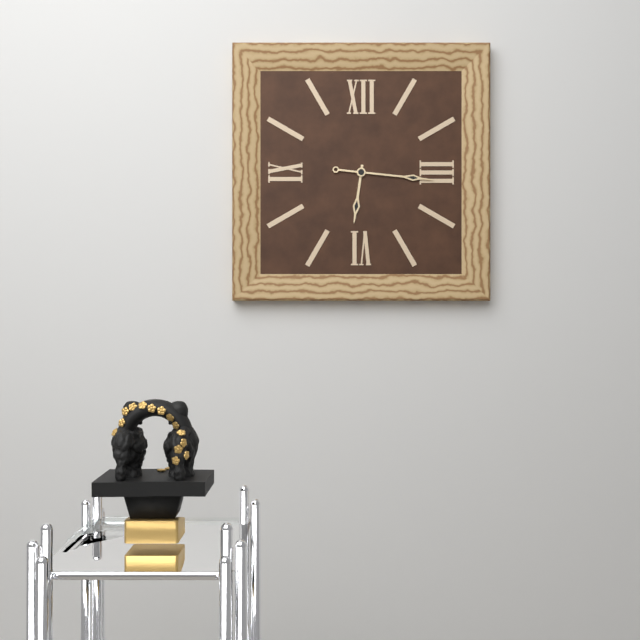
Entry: h=6 m=16
